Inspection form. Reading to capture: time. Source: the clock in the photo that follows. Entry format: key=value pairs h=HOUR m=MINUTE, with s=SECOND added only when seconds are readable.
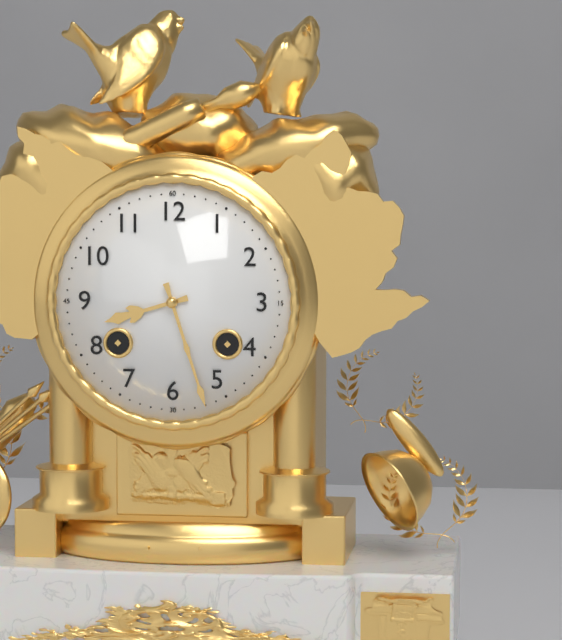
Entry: h=8 m=27
